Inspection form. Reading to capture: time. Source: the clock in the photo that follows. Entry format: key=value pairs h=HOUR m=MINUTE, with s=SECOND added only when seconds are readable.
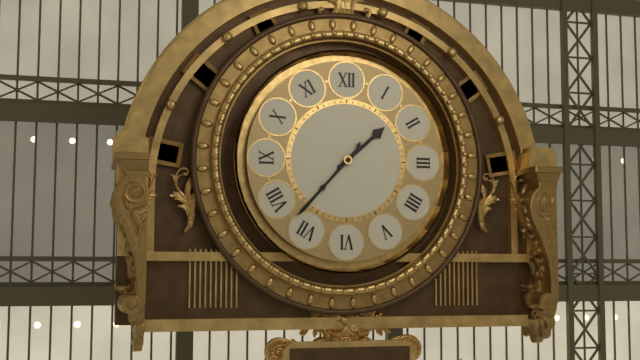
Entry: h=1 m=37
